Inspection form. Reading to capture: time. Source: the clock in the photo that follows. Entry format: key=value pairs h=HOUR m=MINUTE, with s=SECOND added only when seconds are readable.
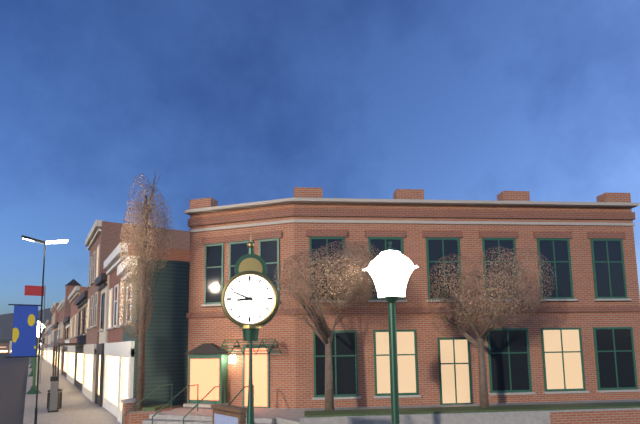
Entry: h=8 m=49
